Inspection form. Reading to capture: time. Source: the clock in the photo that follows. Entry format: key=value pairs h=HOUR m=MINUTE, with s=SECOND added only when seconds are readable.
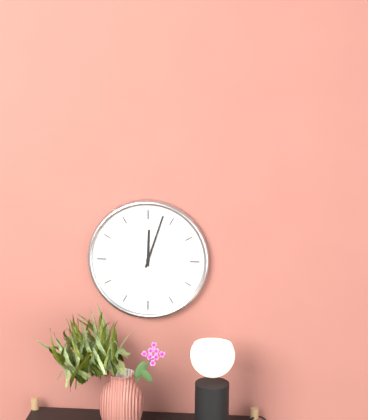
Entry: h=12 m=3
